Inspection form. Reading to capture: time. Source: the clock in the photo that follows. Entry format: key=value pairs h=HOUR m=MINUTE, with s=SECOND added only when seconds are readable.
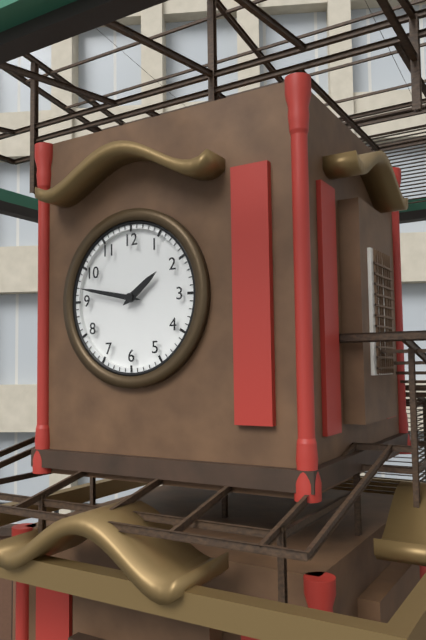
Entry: h=1 m=47
